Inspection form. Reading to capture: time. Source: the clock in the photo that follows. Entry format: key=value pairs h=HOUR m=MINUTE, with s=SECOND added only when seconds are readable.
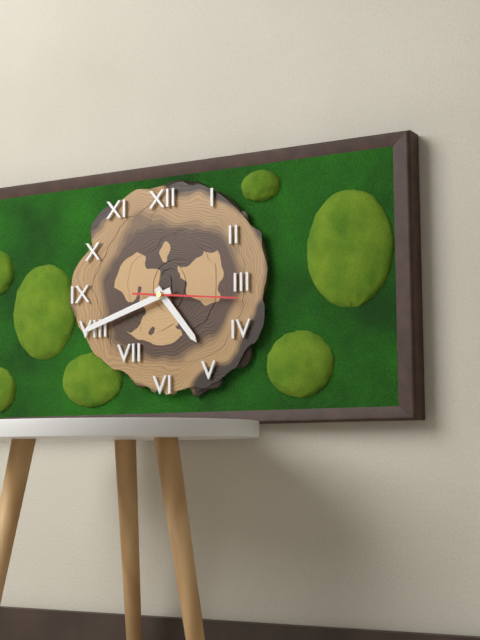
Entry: h=4 m=42 s=16
